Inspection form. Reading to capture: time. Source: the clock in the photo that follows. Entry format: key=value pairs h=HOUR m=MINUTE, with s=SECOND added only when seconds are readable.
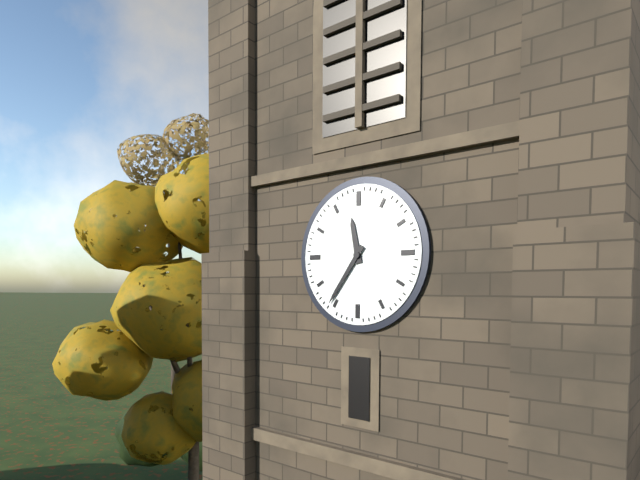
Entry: h=11 m=36
